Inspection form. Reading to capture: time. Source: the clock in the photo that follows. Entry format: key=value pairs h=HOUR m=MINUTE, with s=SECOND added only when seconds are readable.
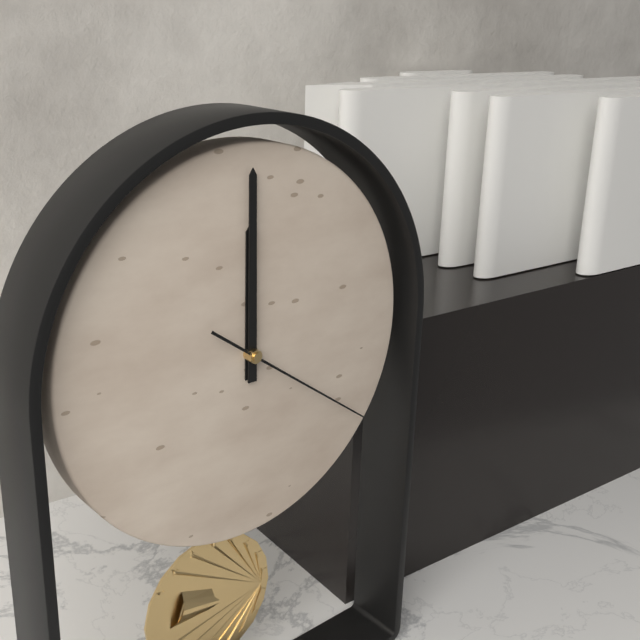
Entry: h=12 m=0 s=21
